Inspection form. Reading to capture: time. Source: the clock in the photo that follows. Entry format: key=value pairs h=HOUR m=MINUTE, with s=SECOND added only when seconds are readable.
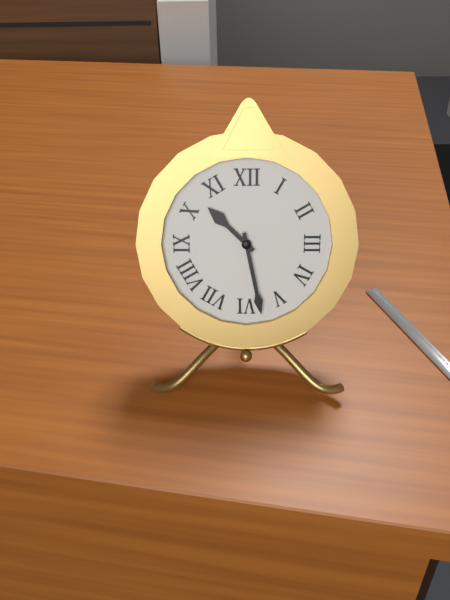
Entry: h=10 m=28
